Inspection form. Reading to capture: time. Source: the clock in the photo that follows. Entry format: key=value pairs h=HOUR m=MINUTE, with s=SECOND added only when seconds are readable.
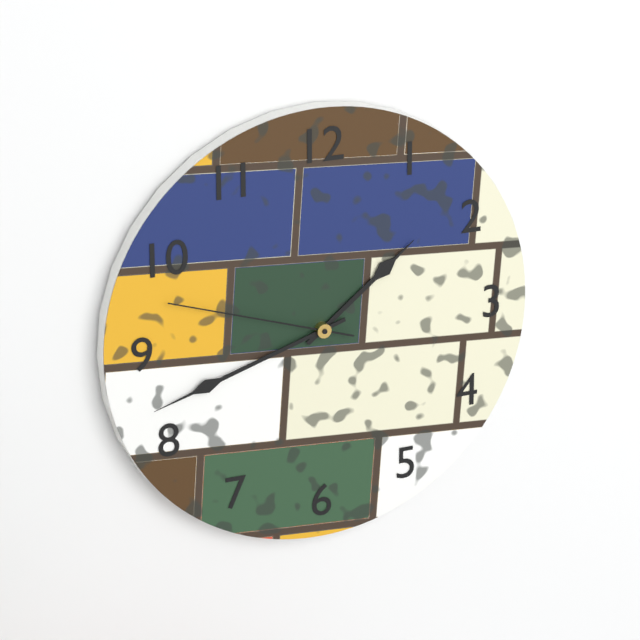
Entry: h=1 m=42 s=48
